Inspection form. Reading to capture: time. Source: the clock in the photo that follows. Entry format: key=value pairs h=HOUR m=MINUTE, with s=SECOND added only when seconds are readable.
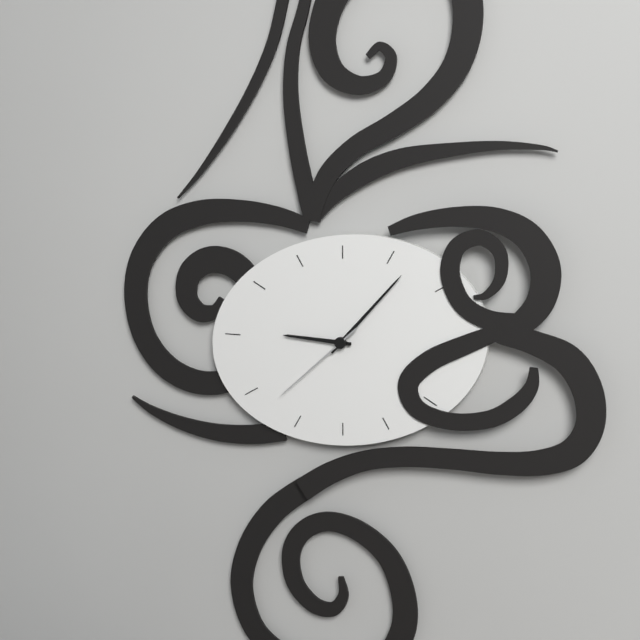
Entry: h=9 m=7 s=38
